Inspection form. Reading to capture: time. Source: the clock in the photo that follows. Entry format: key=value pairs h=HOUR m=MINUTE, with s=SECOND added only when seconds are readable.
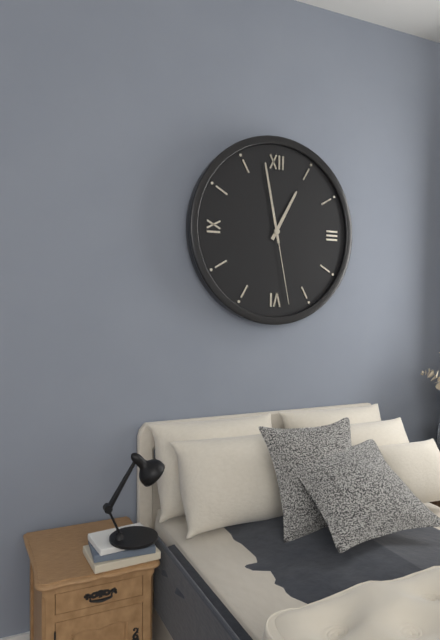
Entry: h=12 m=58 s=28
